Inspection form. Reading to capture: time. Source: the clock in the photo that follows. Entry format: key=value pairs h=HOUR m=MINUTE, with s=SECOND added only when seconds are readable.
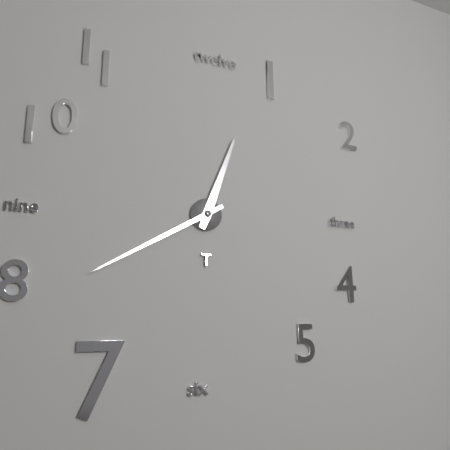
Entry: h=12 m=40
